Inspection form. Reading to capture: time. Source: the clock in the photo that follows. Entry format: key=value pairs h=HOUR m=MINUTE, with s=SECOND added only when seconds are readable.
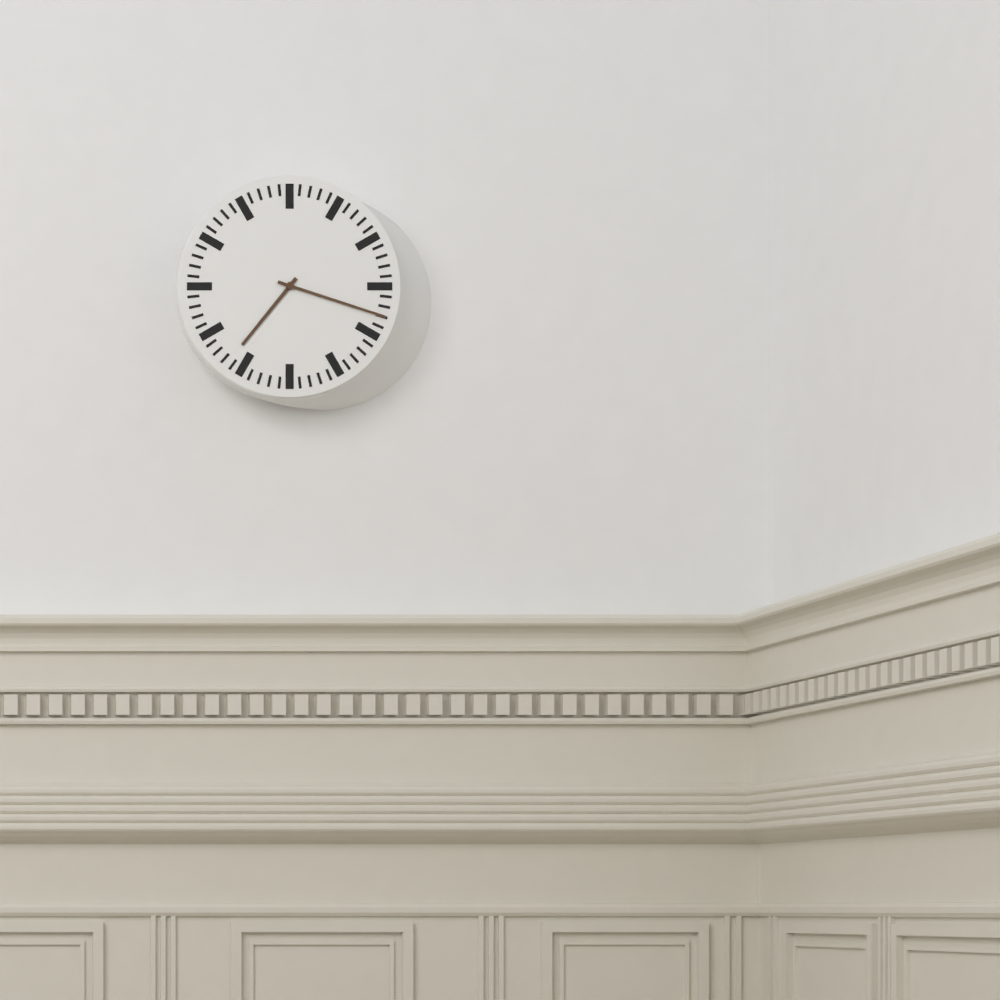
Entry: h=7 m=18
